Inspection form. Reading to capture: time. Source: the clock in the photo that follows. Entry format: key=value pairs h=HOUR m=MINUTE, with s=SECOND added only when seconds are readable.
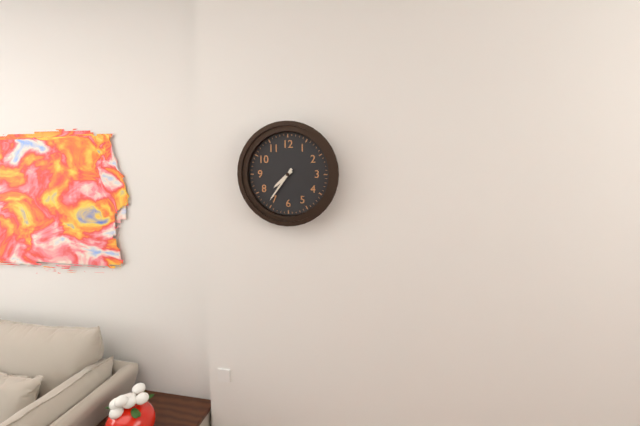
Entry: h=7 m=36
